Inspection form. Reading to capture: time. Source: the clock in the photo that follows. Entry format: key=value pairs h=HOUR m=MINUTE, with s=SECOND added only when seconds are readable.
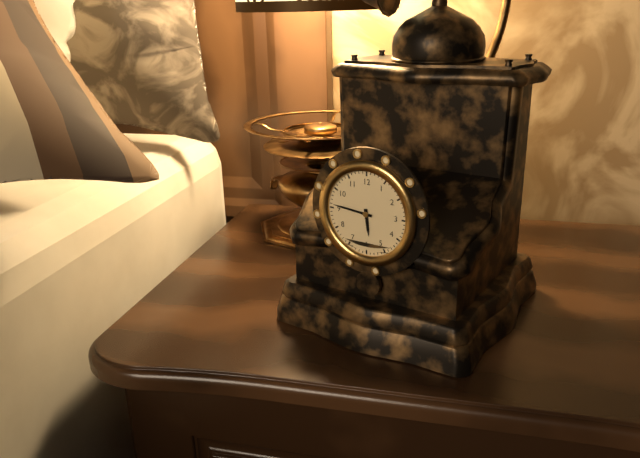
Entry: h=5 m=46
